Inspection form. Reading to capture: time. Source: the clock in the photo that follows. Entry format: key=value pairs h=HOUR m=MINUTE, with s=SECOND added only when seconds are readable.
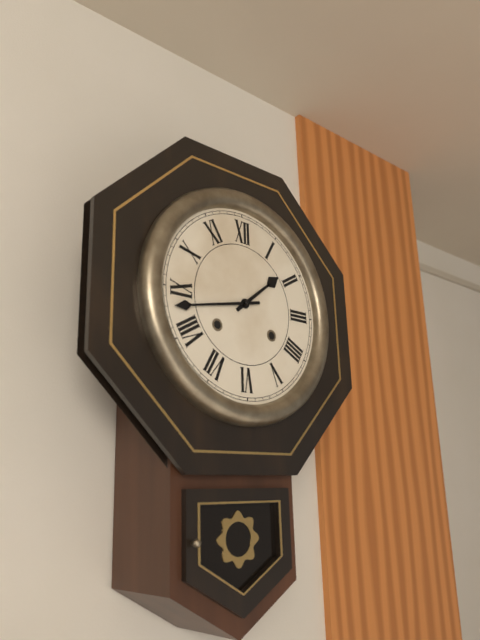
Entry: h=1 m=43
